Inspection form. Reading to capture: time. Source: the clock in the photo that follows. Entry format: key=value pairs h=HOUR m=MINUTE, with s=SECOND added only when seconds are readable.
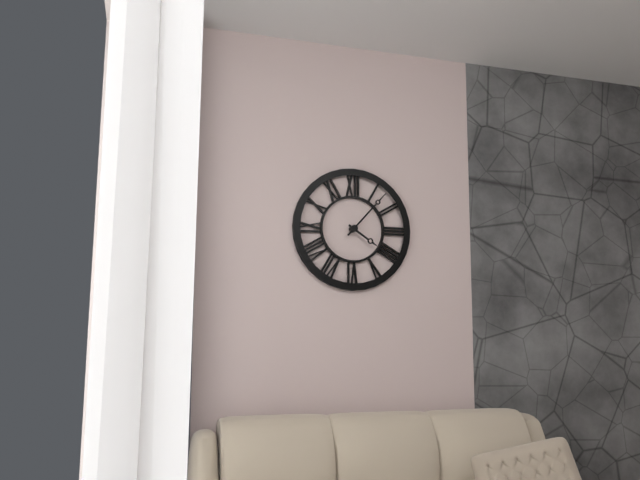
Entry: h=4 m=7
